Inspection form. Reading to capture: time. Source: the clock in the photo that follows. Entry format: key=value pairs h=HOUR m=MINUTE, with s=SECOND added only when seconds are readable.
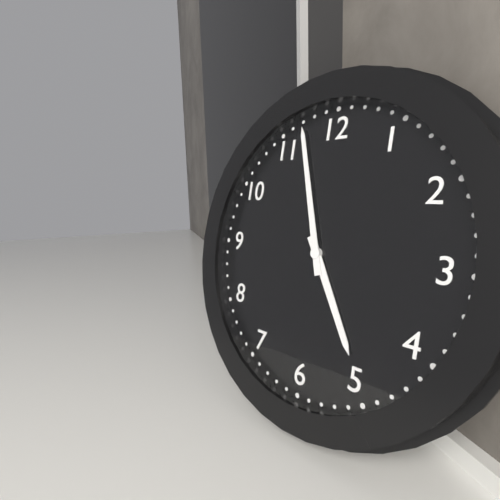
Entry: h=4 m=57
